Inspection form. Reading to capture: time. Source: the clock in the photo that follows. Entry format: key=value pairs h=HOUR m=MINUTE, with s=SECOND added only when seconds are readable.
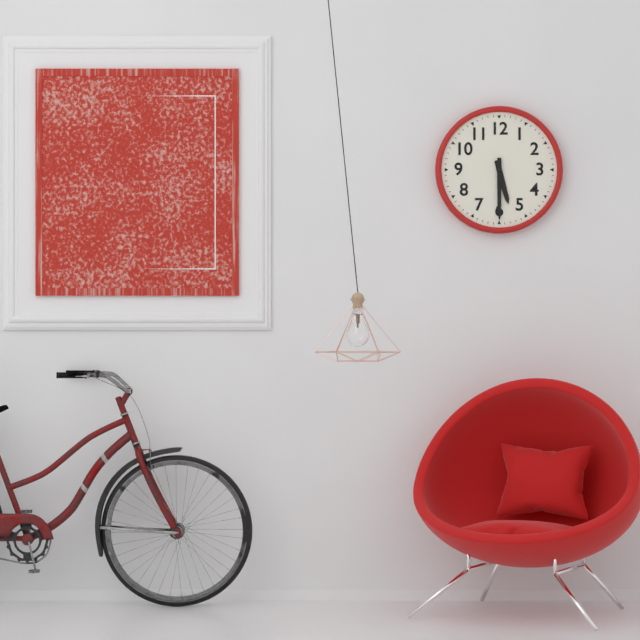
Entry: h=5 m=30
